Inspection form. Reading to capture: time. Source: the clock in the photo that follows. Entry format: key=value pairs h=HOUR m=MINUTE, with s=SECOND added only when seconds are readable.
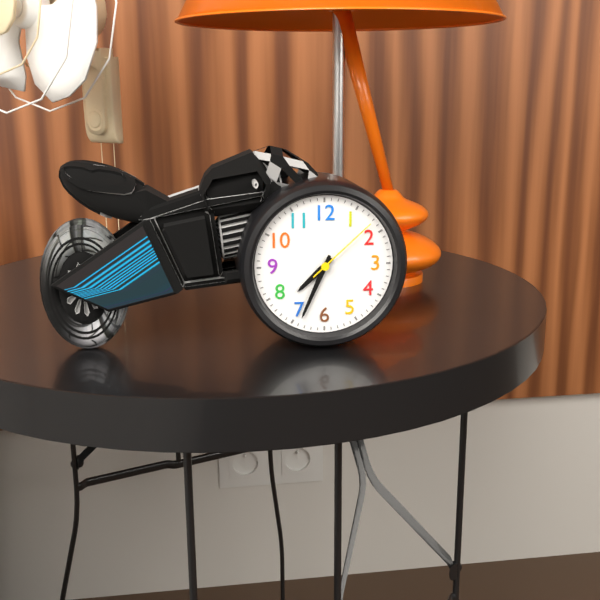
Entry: h=7 m=34 s=8
